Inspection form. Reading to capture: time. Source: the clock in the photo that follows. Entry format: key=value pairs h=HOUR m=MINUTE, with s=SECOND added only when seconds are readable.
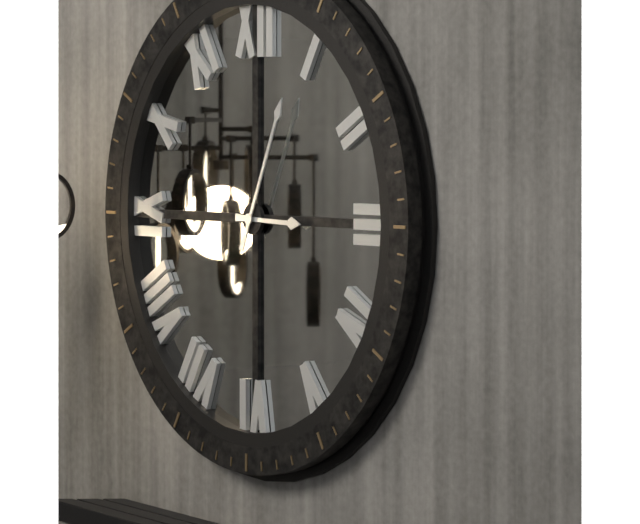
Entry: h=3 m=4
